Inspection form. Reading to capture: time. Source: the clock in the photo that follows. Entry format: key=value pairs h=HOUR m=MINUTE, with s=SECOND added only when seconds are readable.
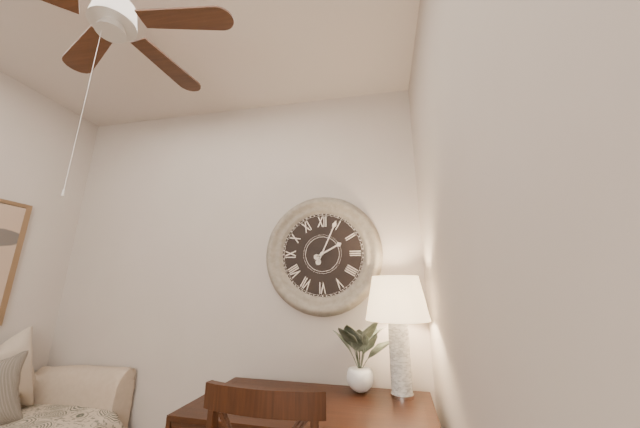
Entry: h=2 m=4
